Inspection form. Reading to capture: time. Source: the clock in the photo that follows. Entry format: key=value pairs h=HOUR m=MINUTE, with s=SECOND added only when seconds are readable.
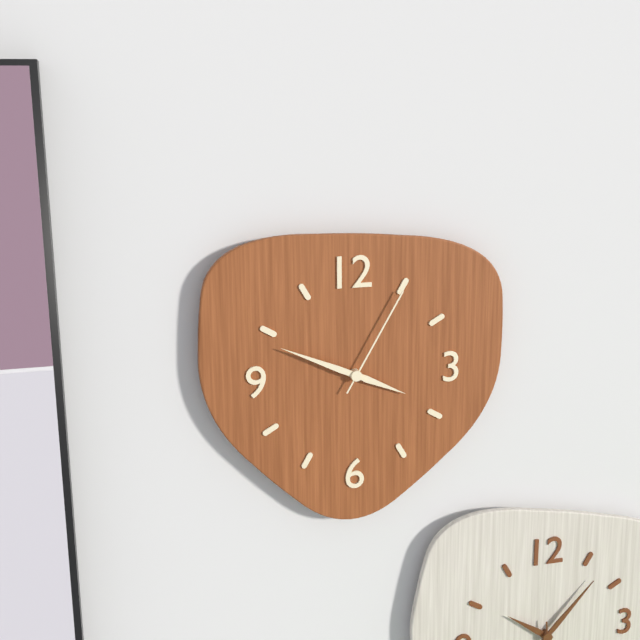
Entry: h=3 m=49 s=5
